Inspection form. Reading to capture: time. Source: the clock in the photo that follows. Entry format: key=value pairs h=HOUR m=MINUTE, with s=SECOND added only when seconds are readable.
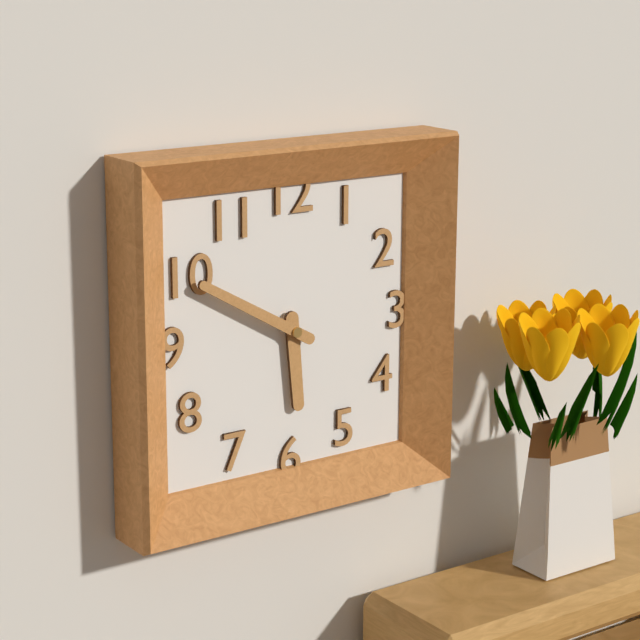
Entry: h=5 m=50
